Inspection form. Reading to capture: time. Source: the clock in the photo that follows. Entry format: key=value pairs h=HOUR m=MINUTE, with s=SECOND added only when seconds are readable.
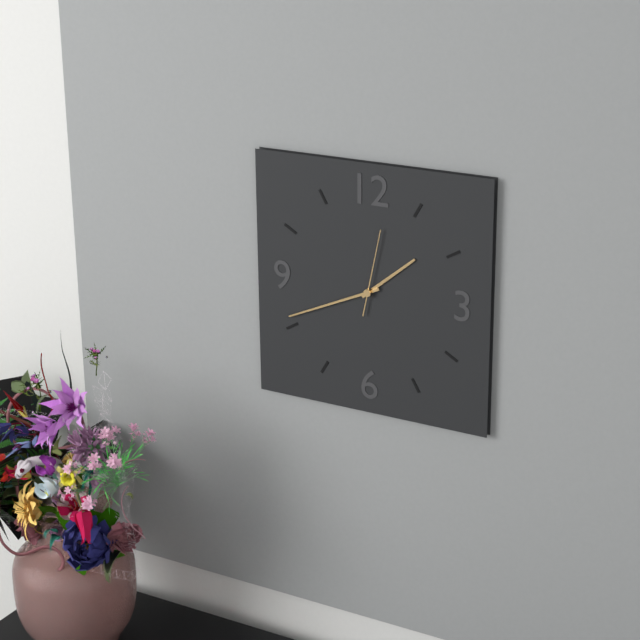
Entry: h=1 m=41 s=2
